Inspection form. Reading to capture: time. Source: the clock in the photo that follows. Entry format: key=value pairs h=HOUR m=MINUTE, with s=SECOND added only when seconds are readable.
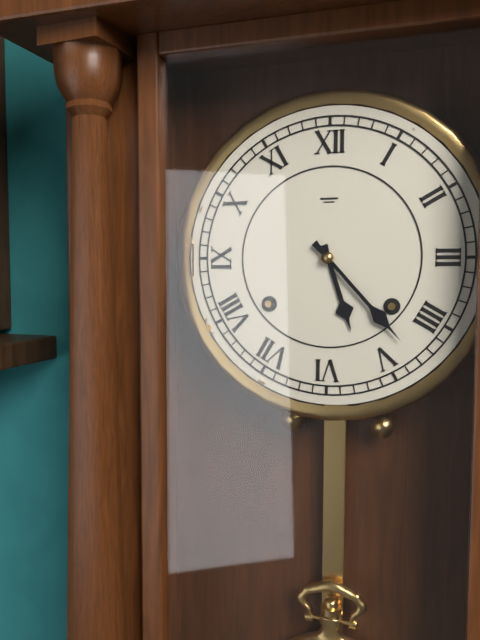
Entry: h=5 m=23
